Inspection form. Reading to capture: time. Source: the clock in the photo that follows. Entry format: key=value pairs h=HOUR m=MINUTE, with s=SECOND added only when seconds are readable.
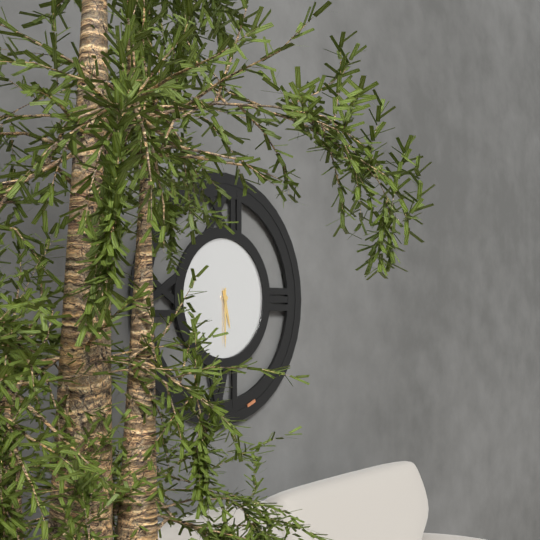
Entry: h=5 m=30
